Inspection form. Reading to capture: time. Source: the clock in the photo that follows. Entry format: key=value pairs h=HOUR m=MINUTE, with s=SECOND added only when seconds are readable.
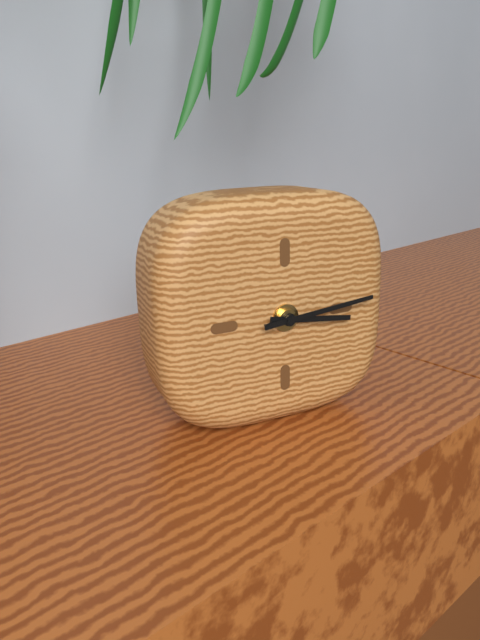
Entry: h=3 m=14
